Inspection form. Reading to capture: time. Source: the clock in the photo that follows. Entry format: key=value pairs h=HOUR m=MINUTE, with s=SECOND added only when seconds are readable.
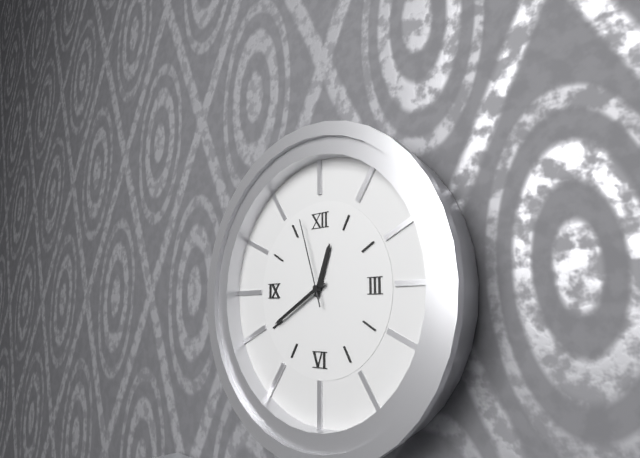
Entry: h=12 m=40 s=57
